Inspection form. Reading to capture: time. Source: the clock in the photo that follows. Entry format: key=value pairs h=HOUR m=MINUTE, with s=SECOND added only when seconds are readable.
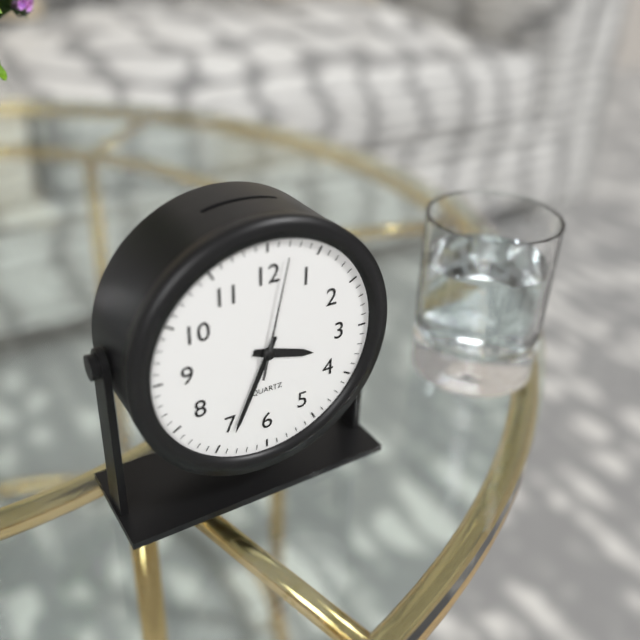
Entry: h=3 m=34 s=2
